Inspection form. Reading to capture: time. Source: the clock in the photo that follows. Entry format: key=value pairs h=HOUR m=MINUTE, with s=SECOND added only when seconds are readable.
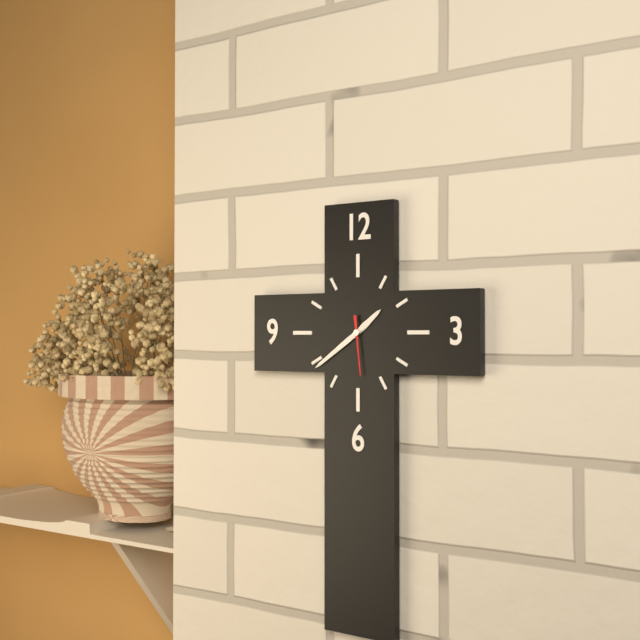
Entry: h=1 m=39 s=29
